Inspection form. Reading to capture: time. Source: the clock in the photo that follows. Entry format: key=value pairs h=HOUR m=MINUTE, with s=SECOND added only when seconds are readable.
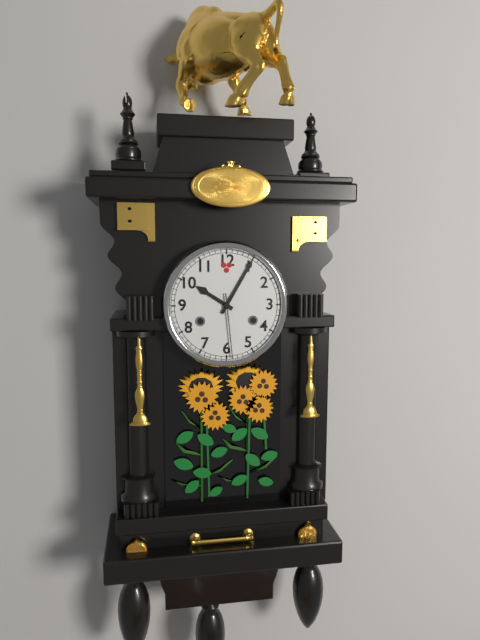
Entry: h=10 m=5 s=29
